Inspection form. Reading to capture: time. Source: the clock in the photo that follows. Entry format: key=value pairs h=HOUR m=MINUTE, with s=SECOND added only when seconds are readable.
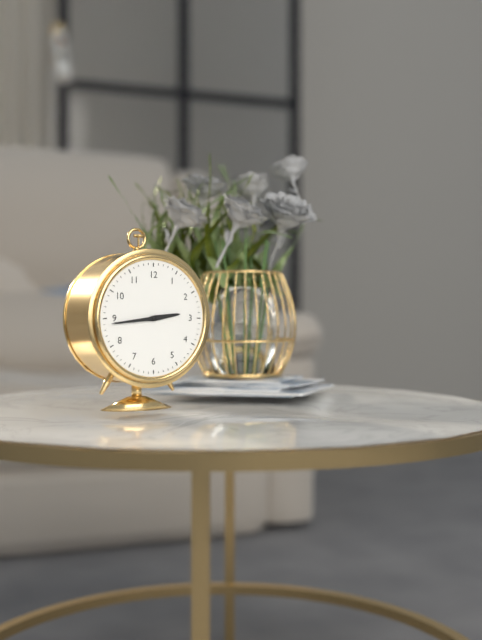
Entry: h=2 m=44
